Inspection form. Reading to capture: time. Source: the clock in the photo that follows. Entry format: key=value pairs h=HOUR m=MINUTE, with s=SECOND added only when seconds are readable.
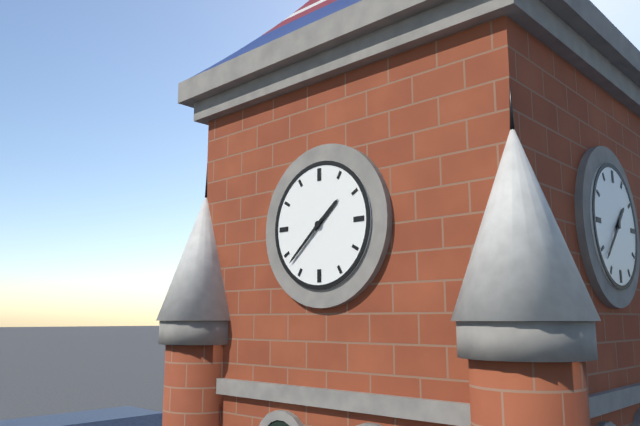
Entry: h=1 m=38
